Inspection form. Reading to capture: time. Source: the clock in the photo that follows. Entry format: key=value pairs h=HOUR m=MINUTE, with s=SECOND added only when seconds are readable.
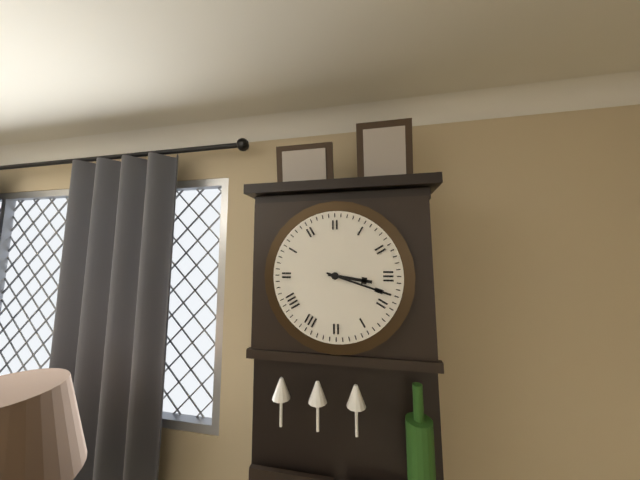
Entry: h=3 m=18
